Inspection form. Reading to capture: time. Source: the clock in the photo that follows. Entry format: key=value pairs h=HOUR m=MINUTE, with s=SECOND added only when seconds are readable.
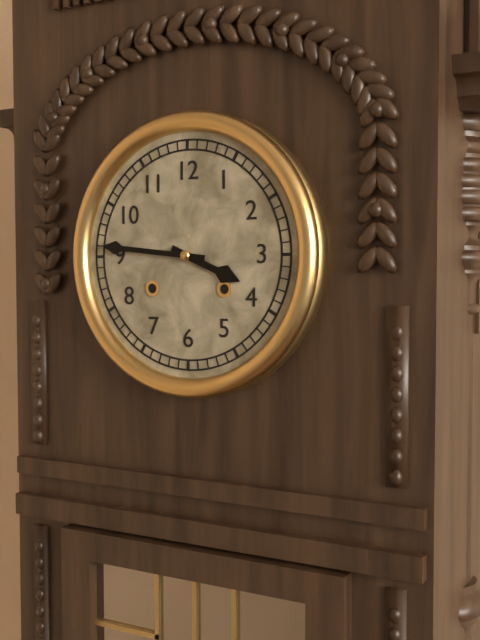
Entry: h=3 m=46
